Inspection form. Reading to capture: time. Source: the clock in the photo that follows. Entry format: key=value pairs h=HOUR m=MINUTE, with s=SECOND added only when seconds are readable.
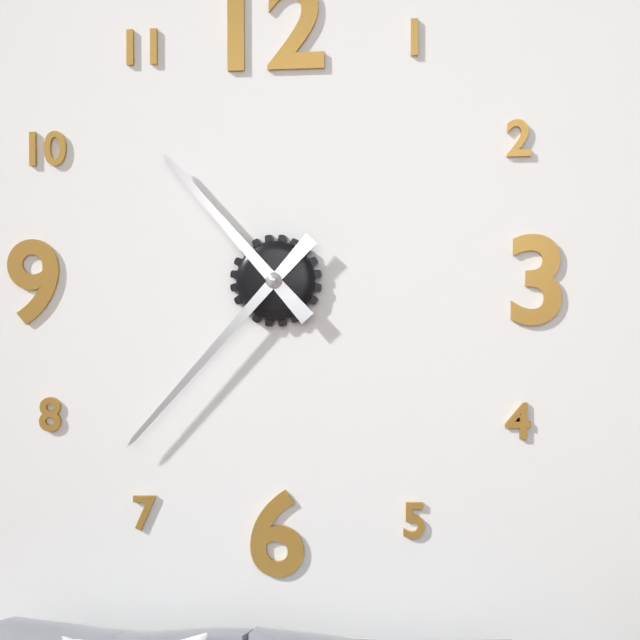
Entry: h=10 m=37
